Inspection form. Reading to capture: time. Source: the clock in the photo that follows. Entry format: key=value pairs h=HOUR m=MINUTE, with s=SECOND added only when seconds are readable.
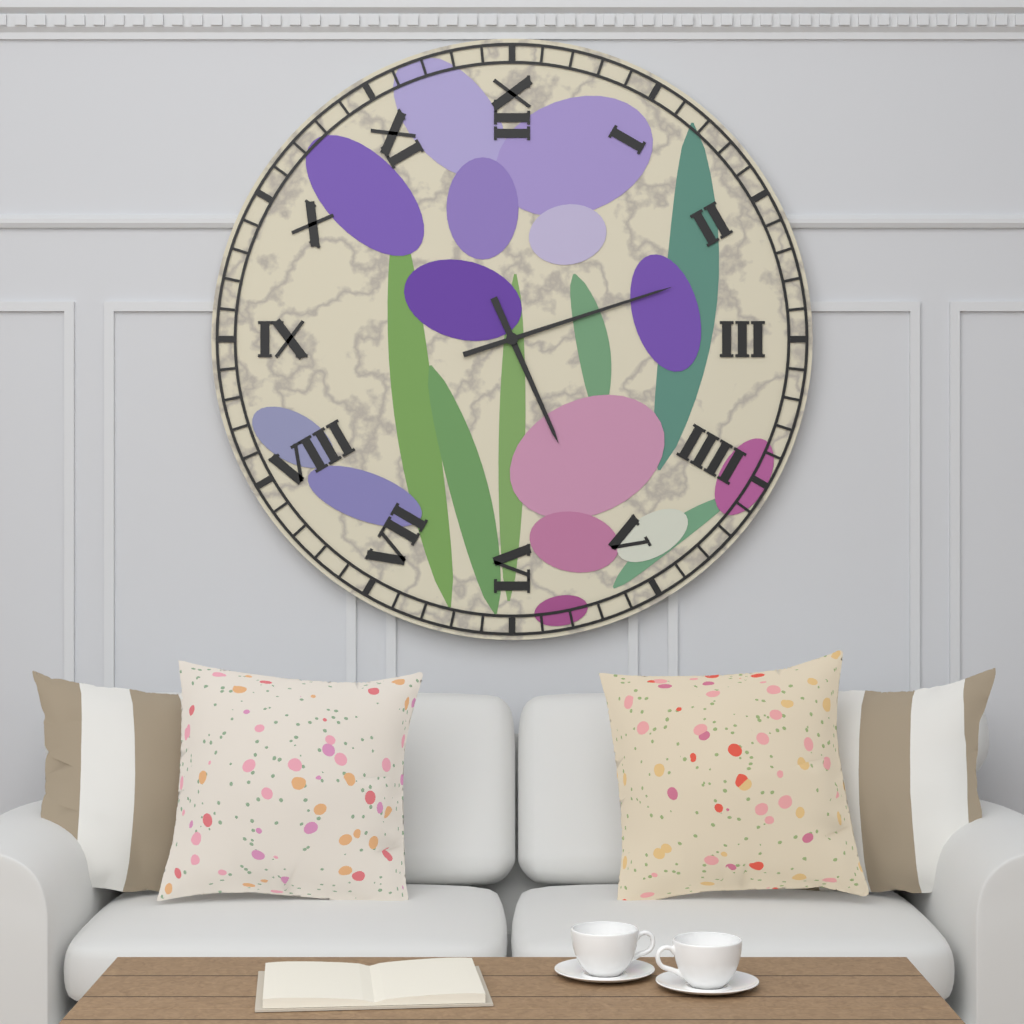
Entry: h=5 m=12
